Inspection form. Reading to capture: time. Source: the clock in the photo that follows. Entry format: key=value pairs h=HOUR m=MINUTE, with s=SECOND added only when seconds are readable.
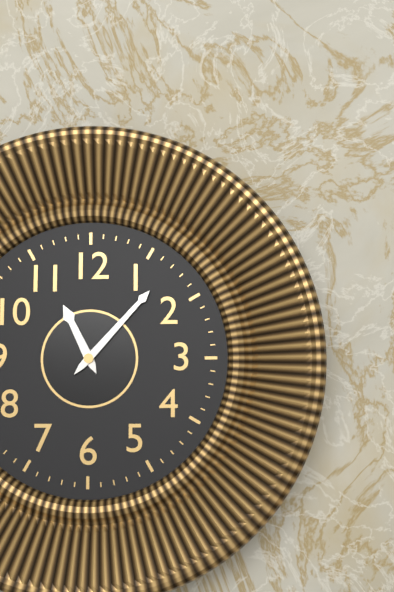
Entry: h=11 m=7
